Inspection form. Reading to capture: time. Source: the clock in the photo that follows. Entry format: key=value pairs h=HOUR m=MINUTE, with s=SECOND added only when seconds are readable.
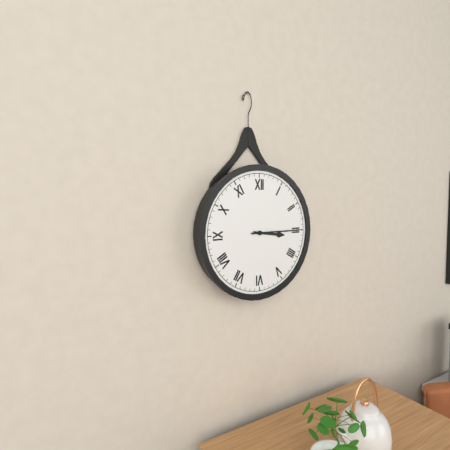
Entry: h=3 m=15
